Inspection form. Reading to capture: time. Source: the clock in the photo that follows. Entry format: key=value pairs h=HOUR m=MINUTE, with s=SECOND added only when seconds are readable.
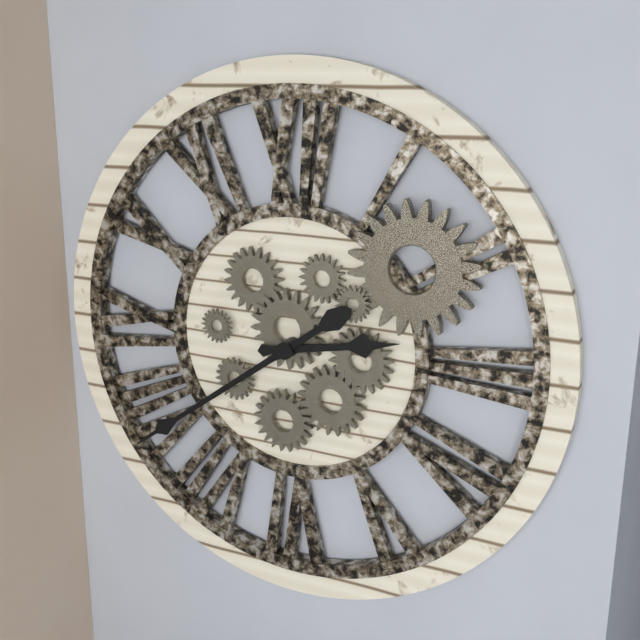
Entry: h=2 m=39
